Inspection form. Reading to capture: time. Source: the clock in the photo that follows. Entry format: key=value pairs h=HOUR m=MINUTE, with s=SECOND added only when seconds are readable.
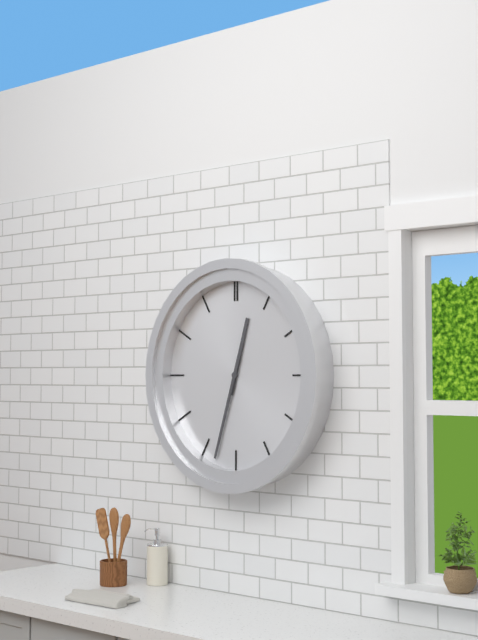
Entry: h=12 m=33
